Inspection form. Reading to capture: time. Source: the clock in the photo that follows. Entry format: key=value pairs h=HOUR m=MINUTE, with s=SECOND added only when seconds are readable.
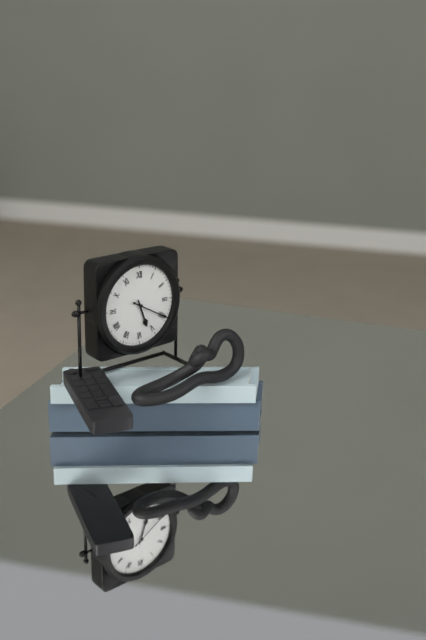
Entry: h=5 m=20
